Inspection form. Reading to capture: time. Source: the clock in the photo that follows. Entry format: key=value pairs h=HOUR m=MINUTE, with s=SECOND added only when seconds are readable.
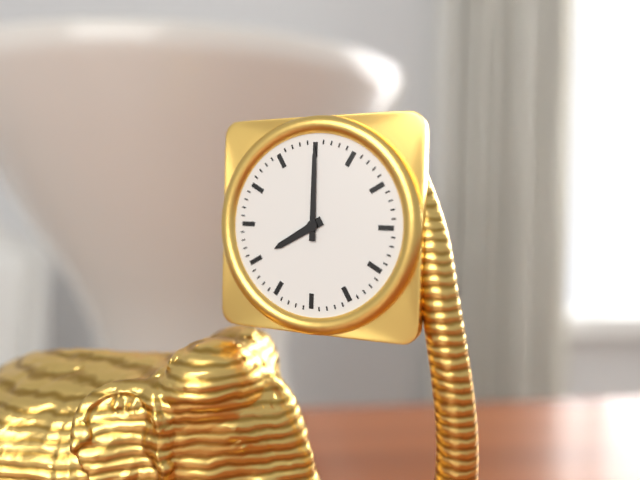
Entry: h=8 m=0
